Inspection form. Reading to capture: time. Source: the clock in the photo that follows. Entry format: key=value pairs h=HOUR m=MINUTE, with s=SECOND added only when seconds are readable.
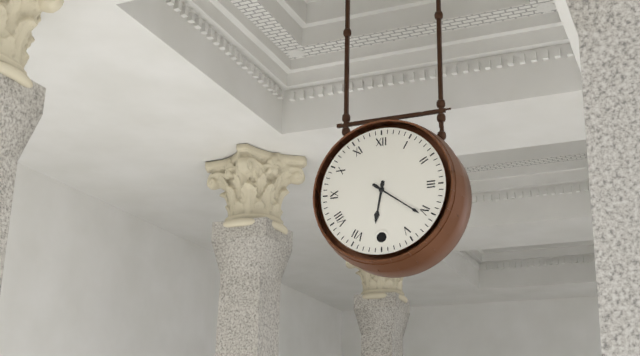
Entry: h=6 m=21
